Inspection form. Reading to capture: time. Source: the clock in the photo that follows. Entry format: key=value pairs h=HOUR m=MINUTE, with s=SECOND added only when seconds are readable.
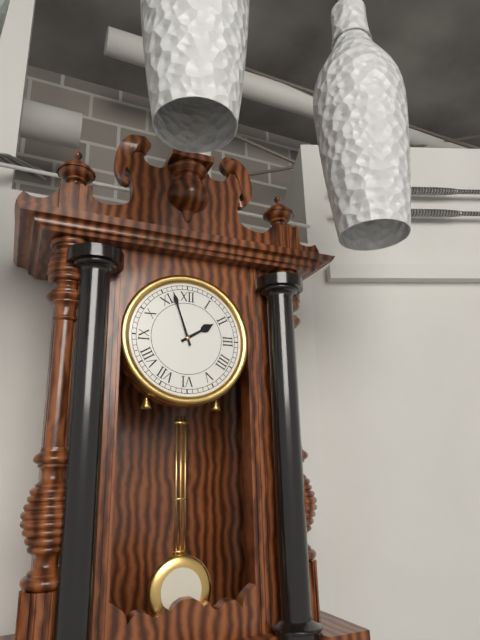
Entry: h=1 m=57
